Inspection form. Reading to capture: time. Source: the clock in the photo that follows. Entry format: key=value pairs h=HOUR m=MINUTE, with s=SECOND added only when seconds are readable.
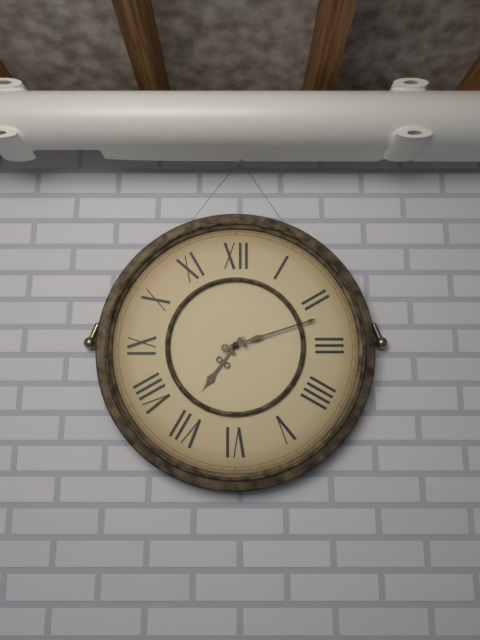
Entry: h=7 m=12
